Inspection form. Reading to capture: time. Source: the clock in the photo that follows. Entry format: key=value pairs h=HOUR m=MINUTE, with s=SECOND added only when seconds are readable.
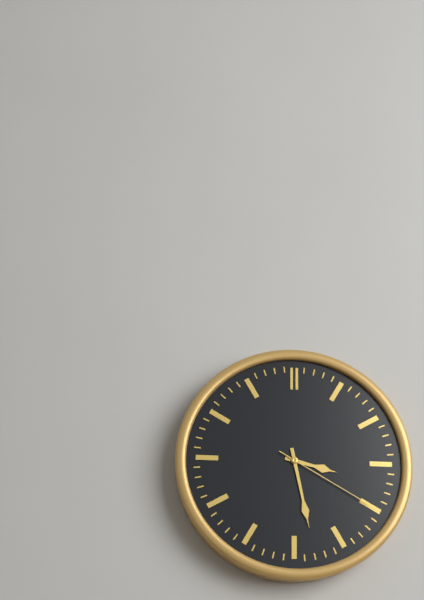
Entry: h=3 m=28 s=20
